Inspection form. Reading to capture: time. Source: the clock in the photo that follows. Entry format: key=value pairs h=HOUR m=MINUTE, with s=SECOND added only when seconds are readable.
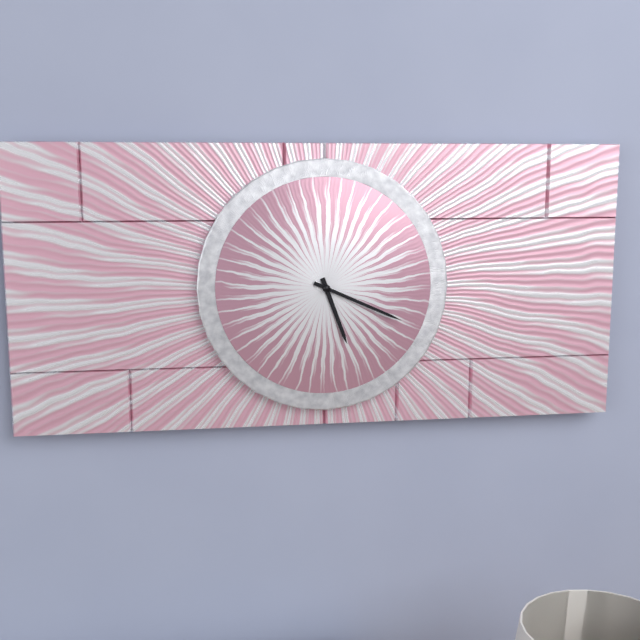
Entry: h=5 m=19
